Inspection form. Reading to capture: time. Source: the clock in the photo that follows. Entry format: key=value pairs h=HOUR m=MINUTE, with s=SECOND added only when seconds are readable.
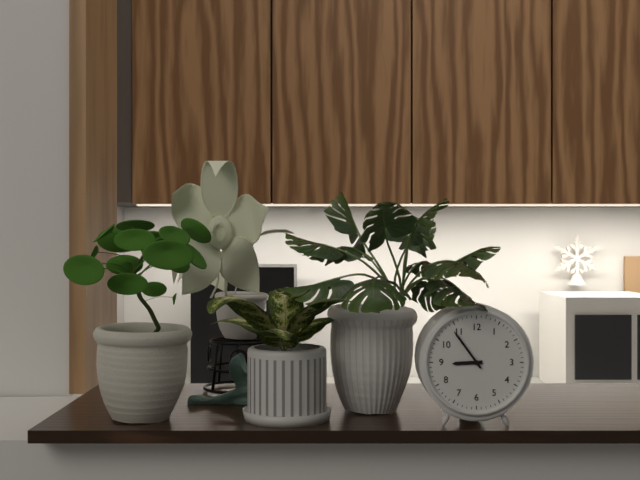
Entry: h=8 m=54
